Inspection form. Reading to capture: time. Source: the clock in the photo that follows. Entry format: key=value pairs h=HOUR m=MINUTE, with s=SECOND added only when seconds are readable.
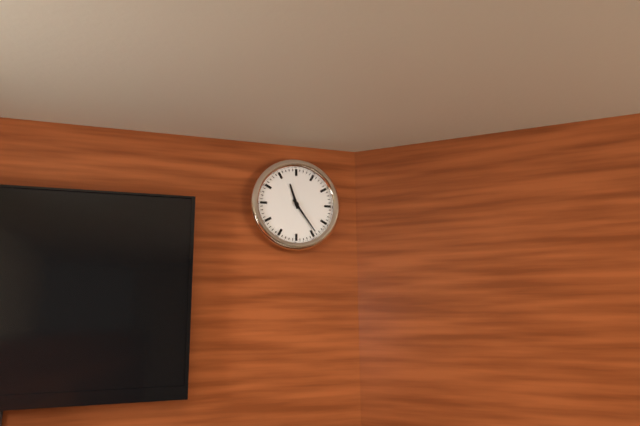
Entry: h=11 m=24
